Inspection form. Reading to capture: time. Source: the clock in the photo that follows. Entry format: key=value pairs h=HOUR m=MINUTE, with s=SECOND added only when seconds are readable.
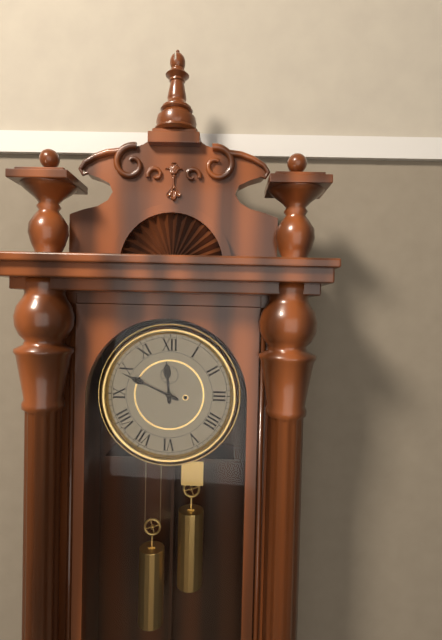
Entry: h=11 m=49
